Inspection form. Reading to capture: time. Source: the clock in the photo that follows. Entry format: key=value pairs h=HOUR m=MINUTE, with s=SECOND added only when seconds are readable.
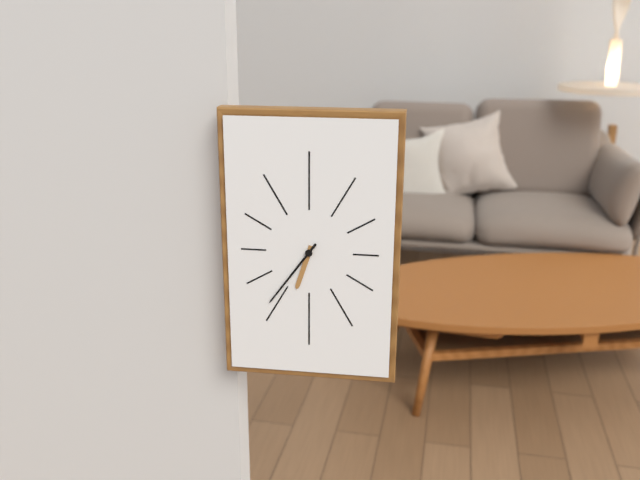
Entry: h=6 m=36
